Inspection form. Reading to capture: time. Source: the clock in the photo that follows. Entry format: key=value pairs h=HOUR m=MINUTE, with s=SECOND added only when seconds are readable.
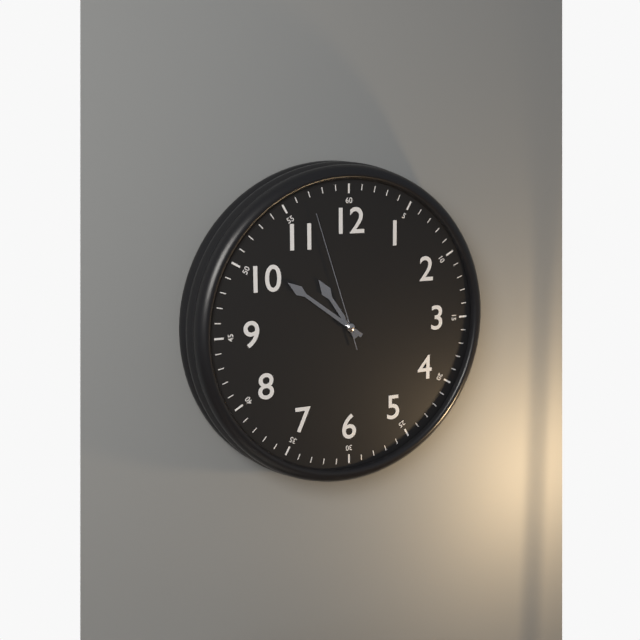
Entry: h=10 m=51 s=57
